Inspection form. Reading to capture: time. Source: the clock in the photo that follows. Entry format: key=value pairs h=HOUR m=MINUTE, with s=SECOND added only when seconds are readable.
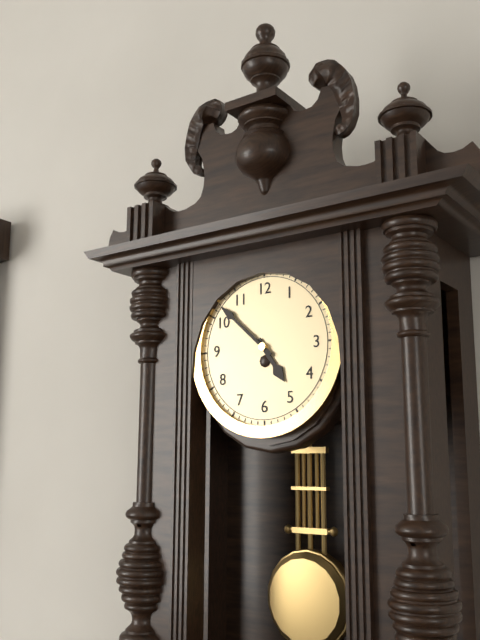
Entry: h=4 m=52
